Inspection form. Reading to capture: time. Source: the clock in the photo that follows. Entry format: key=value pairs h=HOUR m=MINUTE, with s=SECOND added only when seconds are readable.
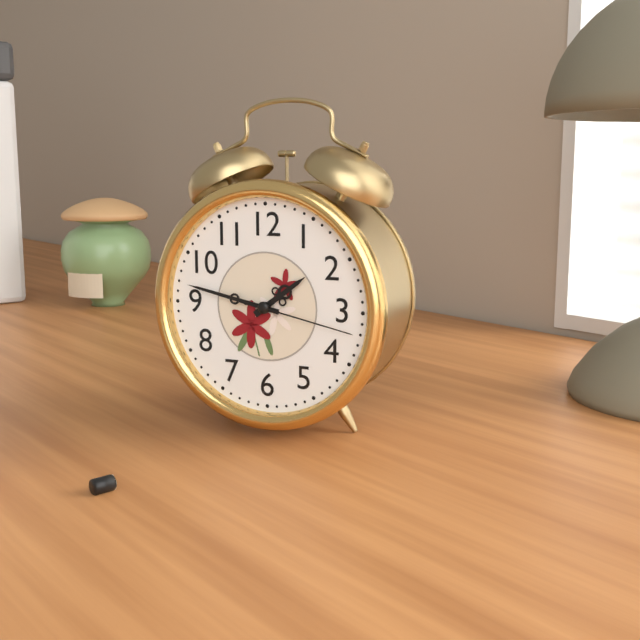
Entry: h=1 m=47 s=17
